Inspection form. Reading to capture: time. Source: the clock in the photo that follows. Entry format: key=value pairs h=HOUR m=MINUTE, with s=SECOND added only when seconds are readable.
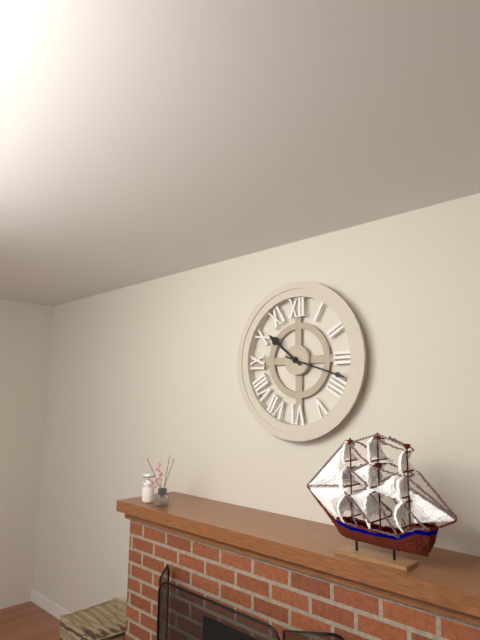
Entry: h=10 m=18
